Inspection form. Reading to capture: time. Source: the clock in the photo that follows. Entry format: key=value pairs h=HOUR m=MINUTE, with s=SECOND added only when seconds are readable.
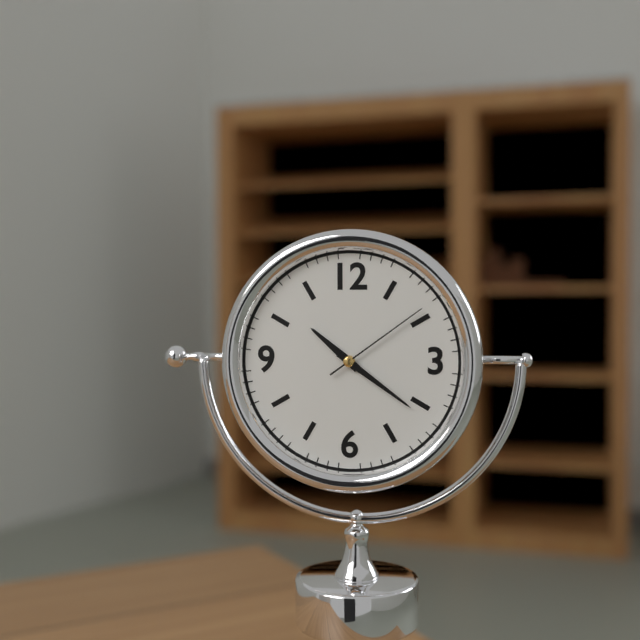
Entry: h=10 m=21 s=9
